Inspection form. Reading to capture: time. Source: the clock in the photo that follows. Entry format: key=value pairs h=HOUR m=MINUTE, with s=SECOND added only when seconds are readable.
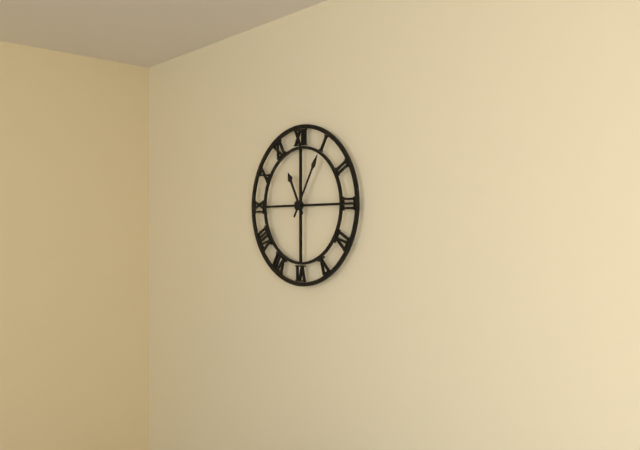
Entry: h=11 m=5
